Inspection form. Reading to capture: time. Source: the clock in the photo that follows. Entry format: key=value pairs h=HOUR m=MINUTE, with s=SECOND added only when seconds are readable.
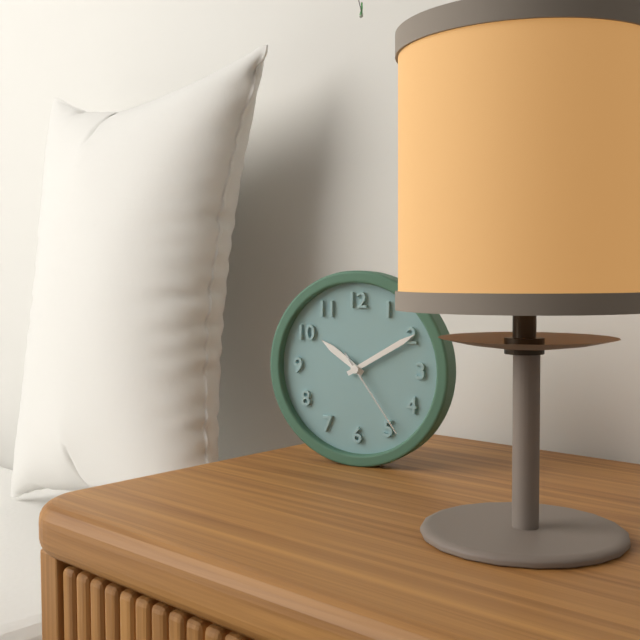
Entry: h=10 m=10 s=24
